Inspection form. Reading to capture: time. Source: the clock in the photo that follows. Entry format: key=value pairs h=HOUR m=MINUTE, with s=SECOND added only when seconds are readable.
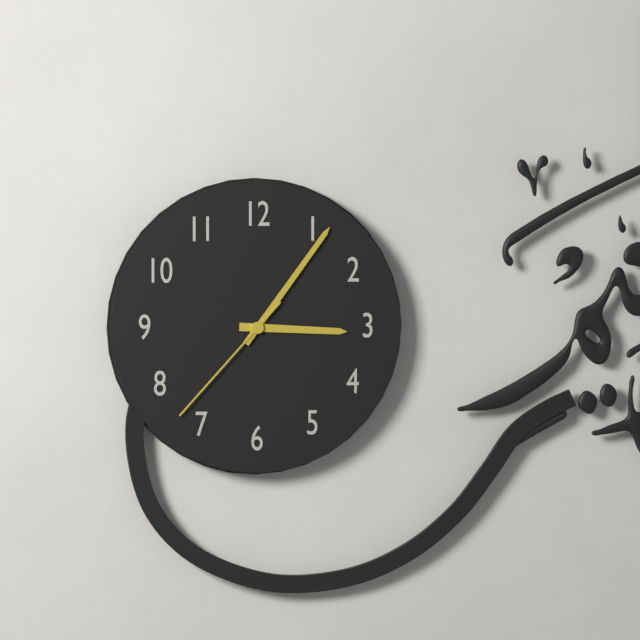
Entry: h=3 m=6 s=37
